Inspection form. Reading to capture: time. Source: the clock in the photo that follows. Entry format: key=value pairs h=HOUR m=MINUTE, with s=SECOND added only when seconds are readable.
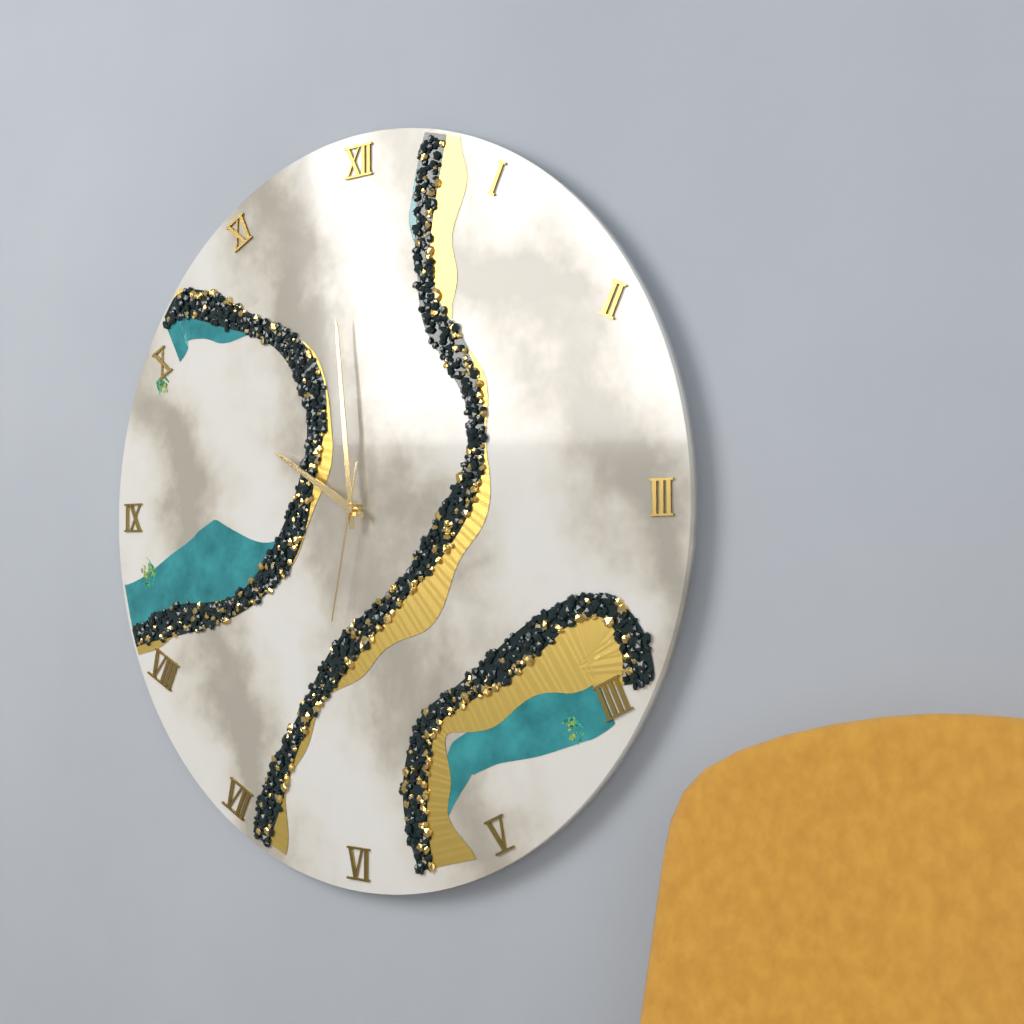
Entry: h=9 m=59 s=32
